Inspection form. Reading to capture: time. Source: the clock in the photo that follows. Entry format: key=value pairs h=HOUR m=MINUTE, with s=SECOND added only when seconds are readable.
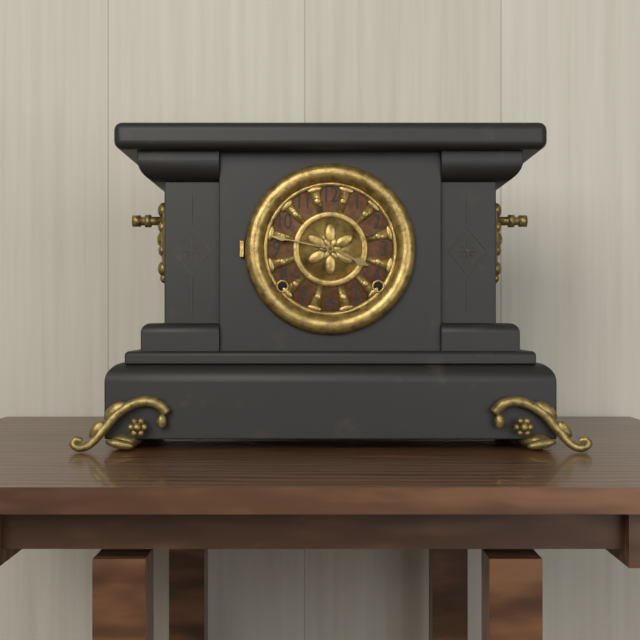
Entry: h=3 m=47
